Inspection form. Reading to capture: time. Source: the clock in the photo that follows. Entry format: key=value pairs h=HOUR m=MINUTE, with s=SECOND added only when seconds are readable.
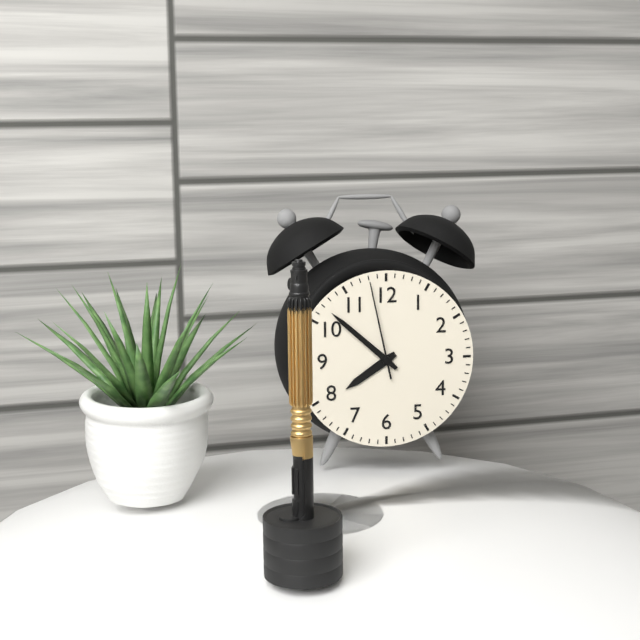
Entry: h=7 m=52 s=58
